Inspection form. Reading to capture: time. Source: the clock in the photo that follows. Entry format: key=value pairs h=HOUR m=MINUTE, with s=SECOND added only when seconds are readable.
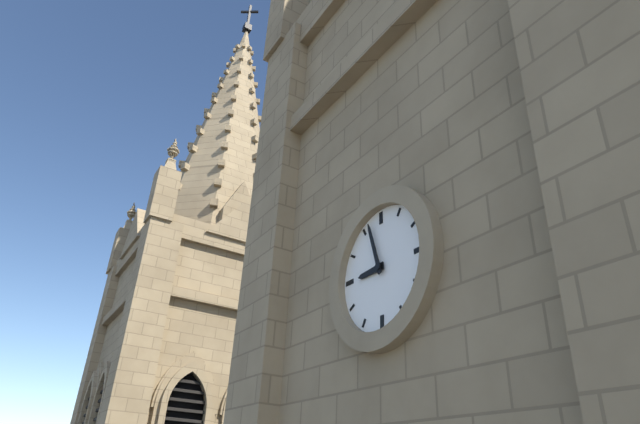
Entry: h=8 m=57
